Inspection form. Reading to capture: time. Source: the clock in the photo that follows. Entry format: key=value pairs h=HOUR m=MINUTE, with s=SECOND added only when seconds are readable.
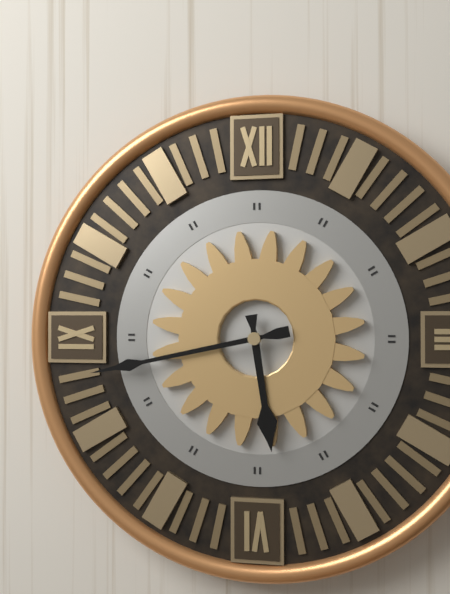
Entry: h=5 m=43
